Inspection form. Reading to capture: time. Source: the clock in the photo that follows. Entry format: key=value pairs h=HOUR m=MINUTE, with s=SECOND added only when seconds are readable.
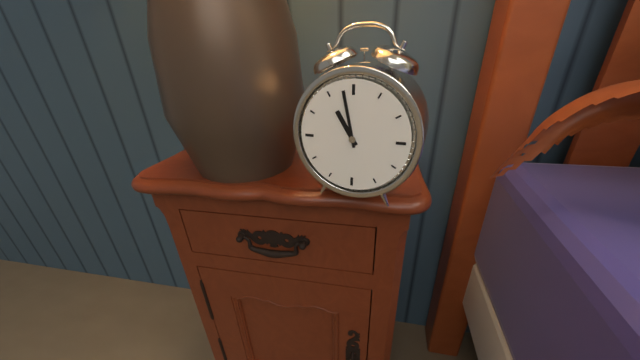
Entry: h=10 m=58
